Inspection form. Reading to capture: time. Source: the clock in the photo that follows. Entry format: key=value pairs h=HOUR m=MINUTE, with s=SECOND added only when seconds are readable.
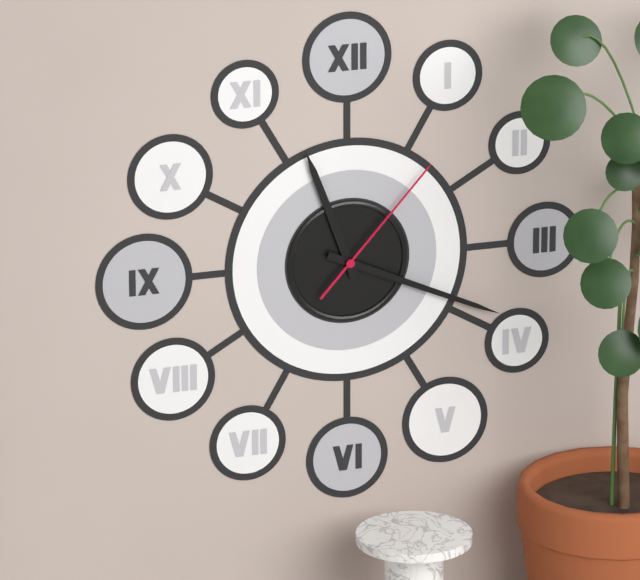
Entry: h=11 m=19 s=7
